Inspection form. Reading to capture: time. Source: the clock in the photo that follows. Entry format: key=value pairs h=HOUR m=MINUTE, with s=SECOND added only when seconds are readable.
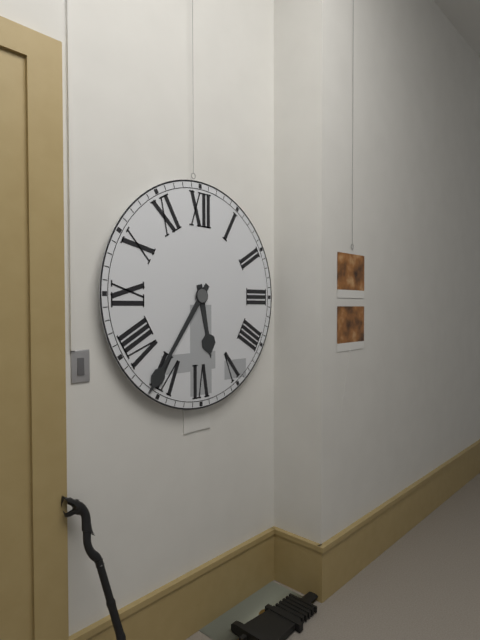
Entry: h=5 m=36
